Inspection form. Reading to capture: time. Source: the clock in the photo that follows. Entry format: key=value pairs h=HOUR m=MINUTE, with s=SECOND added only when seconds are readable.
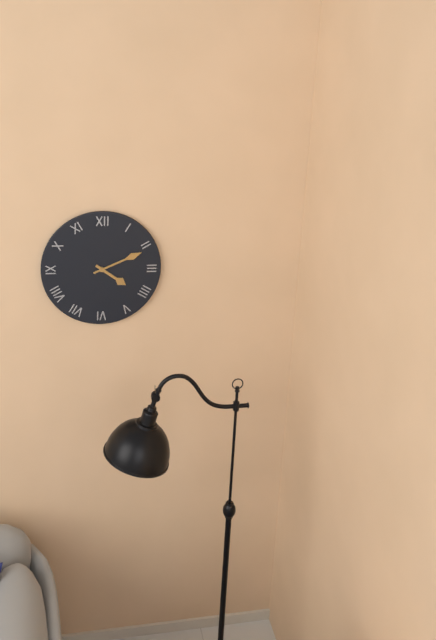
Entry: h=4 m=11
